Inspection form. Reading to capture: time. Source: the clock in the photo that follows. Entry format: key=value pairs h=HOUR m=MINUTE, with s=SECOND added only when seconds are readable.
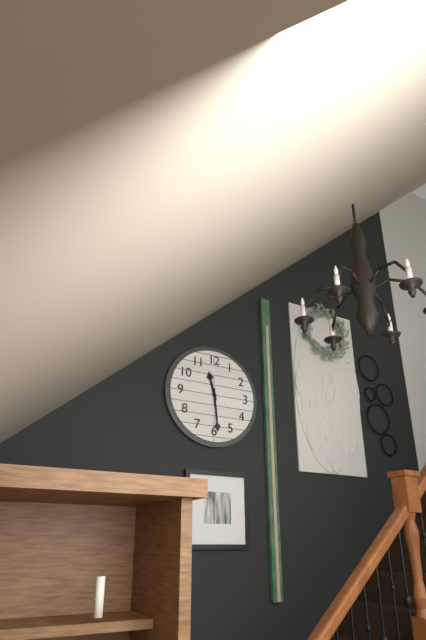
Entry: h=11 m=29
